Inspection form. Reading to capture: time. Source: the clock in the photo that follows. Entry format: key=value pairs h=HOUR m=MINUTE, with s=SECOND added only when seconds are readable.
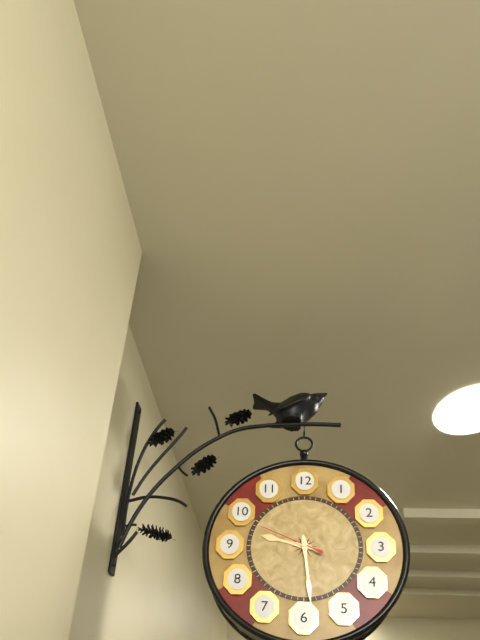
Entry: h=9 m=29 s=49
